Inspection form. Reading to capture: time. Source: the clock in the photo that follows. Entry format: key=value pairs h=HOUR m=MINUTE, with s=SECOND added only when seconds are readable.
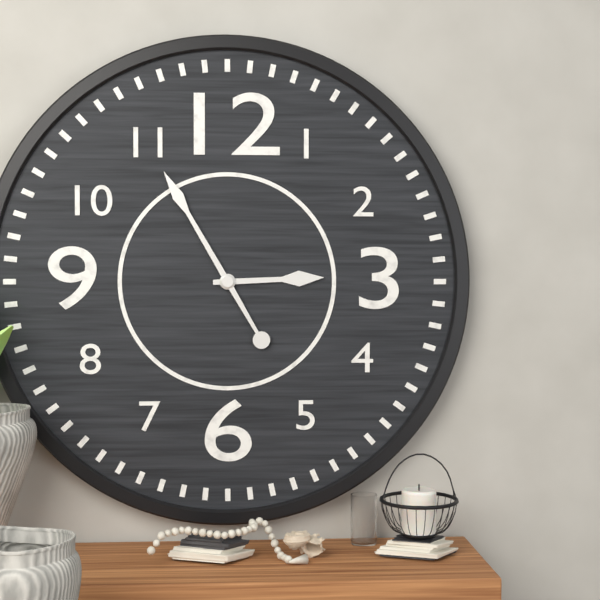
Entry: h=2 m=55
